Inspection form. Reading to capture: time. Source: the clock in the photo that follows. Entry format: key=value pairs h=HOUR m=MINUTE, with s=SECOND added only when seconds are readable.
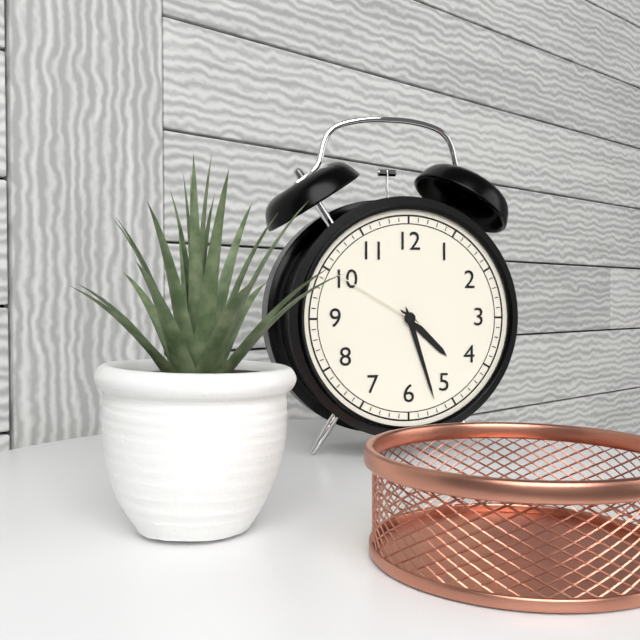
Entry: h=4 m=27 s=50
